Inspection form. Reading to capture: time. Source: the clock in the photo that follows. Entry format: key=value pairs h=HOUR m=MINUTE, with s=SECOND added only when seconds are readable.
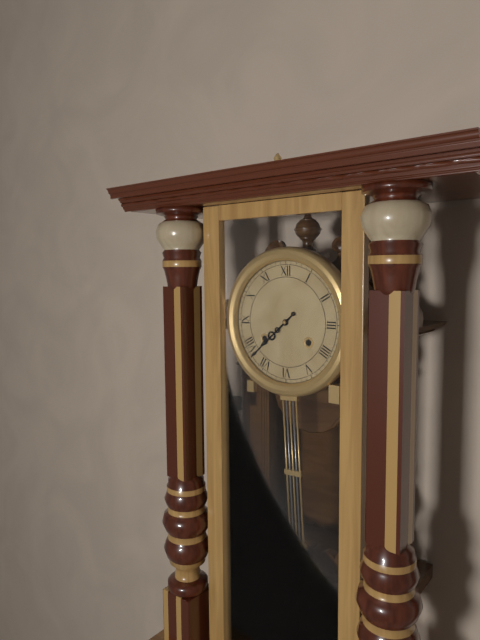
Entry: h=7 m=38
